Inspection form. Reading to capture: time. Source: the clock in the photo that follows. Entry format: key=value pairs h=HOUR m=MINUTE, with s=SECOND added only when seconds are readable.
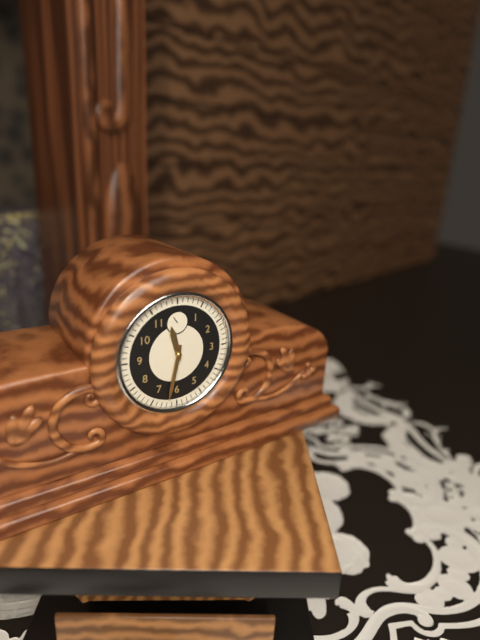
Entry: h=11 m=32
